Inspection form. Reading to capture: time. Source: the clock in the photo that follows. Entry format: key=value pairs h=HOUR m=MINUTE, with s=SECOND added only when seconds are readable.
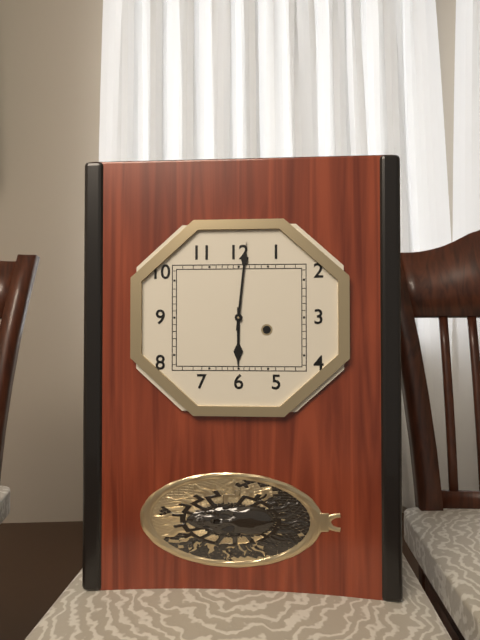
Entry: h=6 m=1
